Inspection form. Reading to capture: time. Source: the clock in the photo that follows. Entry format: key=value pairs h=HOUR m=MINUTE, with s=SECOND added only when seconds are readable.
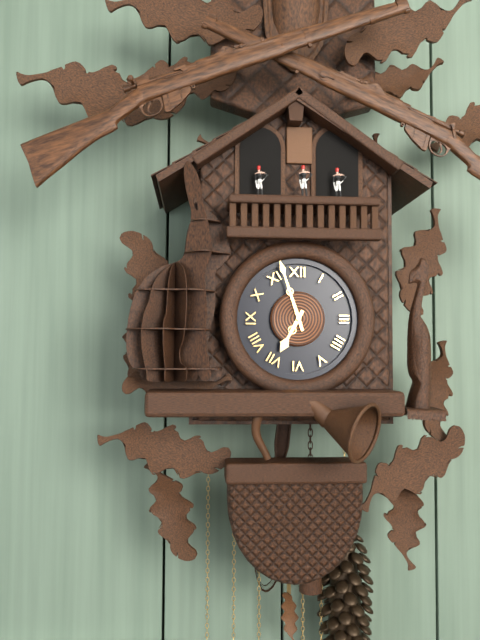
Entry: h=6 m=57
